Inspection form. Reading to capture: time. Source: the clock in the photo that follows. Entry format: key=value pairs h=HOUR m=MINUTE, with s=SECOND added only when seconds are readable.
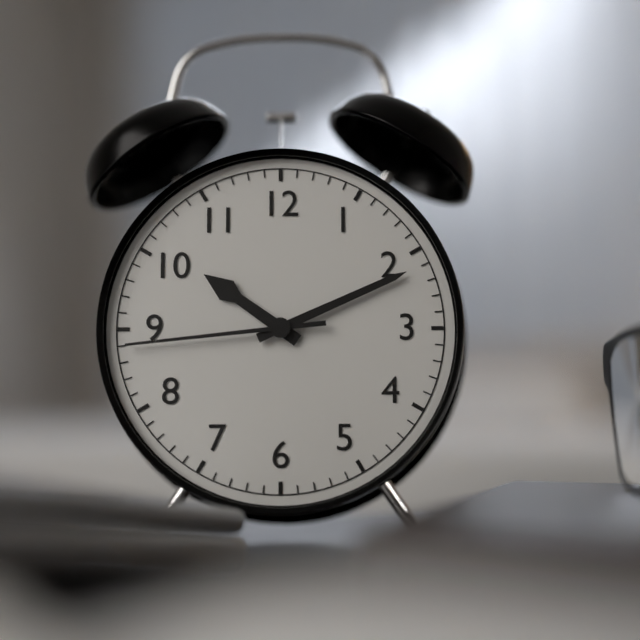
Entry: h=10 m=11 s=44
